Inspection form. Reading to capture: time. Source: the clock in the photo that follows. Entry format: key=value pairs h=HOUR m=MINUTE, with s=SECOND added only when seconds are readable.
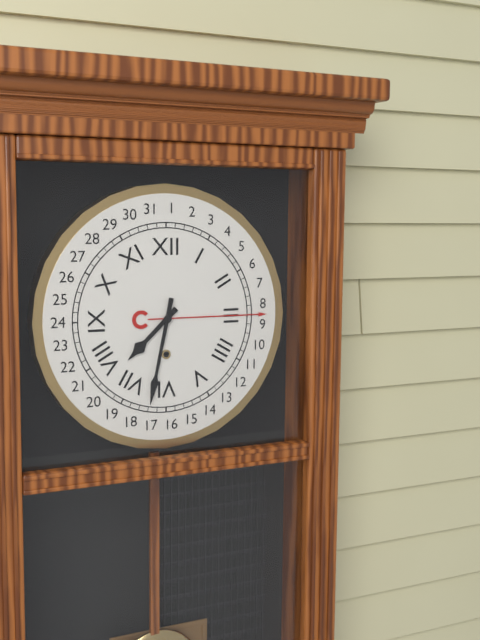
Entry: h=7 m=32
